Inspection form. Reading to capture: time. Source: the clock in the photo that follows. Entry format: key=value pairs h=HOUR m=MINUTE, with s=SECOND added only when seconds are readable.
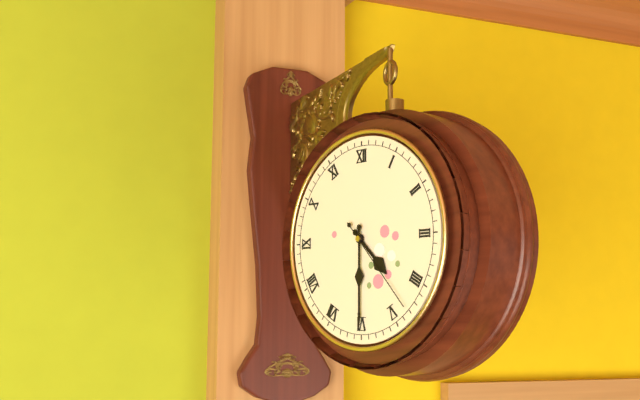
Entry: h=4 m=30 s=23
